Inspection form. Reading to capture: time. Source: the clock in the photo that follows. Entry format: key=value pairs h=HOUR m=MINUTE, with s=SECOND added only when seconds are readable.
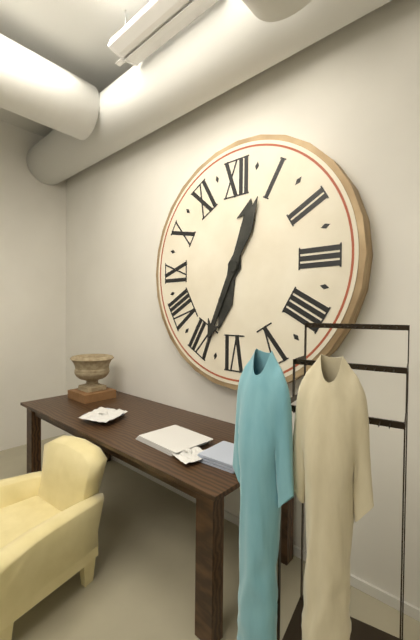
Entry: h=12 m=34
